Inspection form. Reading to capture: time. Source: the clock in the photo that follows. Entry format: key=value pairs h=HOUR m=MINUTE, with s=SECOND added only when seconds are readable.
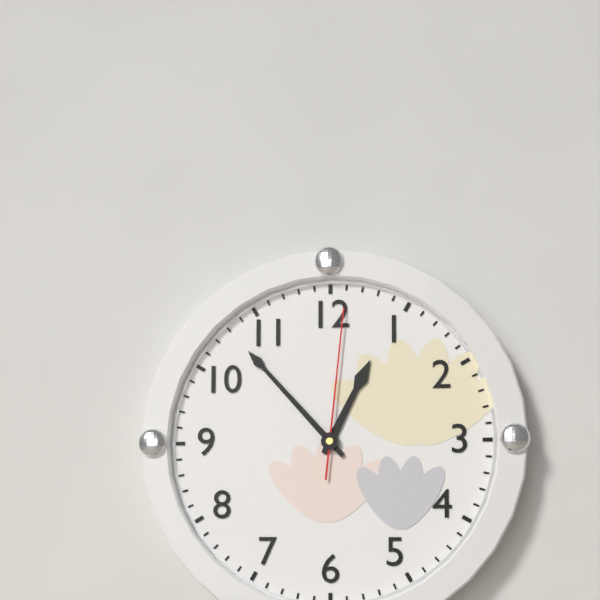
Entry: h=12 m=53 s=1
